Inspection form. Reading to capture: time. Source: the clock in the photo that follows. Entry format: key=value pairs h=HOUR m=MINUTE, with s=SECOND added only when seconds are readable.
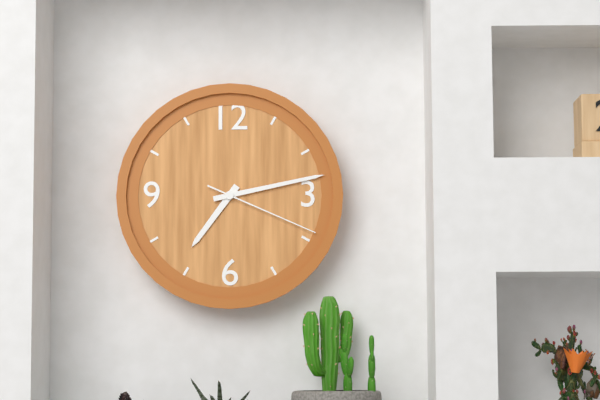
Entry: h=7 m=13 s=19
